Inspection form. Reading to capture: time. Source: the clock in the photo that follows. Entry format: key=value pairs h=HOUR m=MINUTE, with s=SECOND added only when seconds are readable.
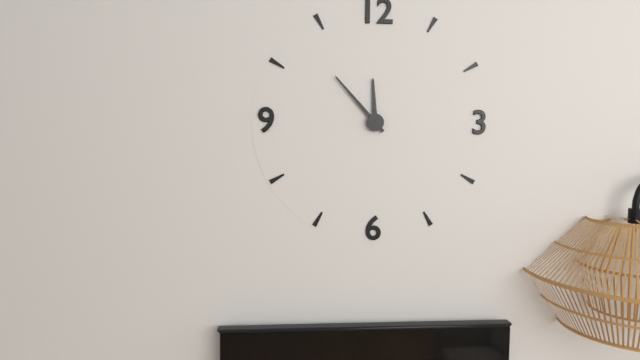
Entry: h=11 m=53
